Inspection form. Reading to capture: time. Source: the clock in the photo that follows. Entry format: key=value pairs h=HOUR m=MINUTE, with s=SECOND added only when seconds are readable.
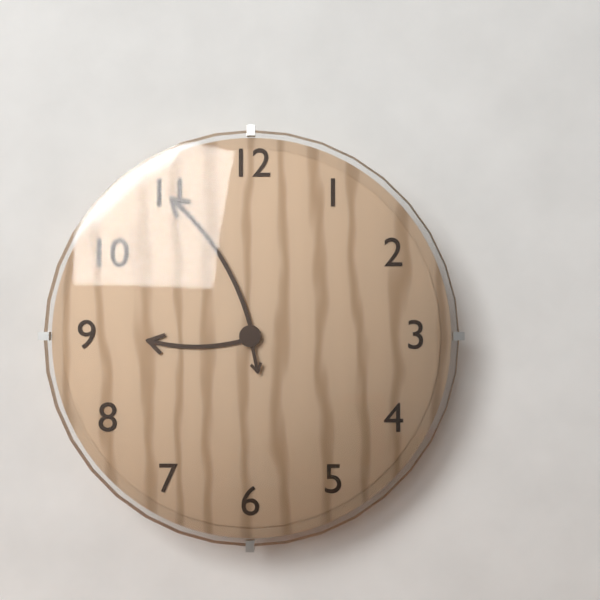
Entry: h=8 m=55
